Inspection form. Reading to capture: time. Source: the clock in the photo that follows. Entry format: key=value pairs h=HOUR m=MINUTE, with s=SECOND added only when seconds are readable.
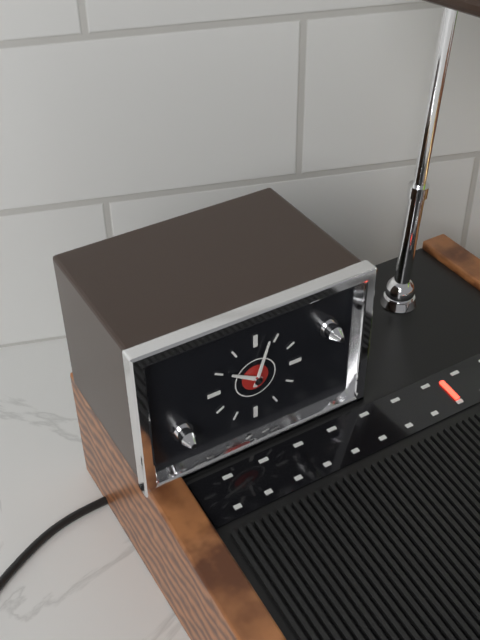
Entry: h=10 m=3
